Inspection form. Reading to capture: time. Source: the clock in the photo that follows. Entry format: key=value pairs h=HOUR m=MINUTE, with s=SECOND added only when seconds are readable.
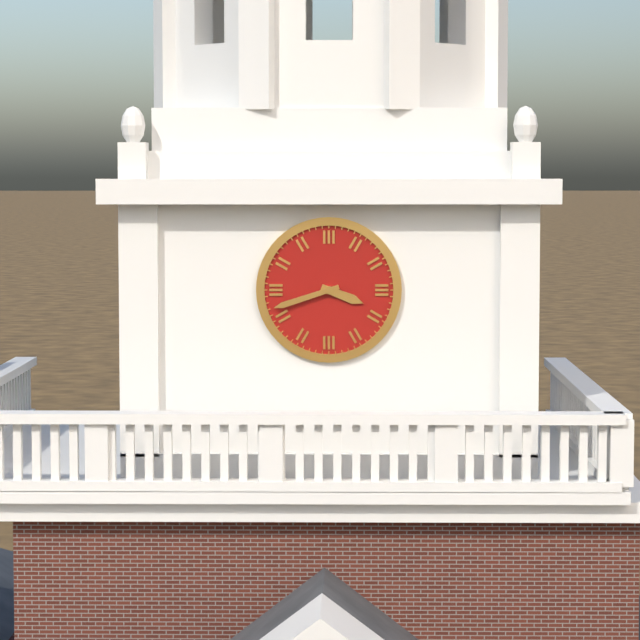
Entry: h=3 m=42
